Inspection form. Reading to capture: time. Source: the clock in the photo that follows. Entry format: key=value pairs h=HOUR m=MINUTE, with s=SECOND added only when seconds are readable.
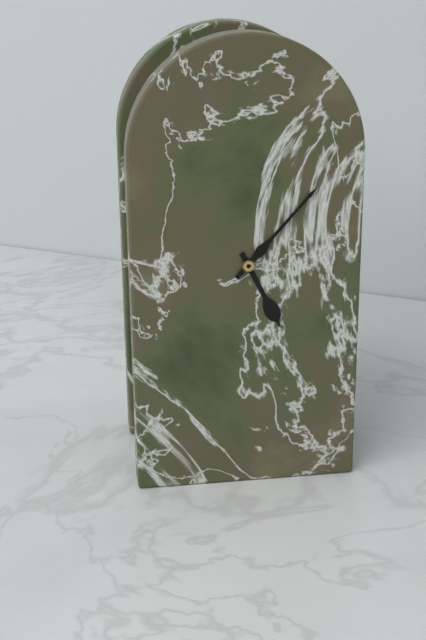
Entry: h=5 m=7
